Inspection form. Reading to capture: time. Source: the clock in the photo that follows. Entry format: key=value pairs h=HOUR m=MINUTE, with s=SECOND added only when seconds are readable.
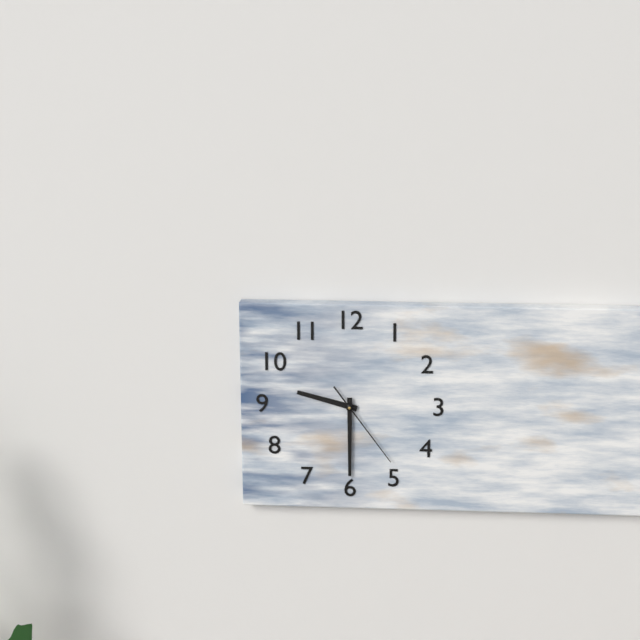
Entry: h=9 m=30 s=24
